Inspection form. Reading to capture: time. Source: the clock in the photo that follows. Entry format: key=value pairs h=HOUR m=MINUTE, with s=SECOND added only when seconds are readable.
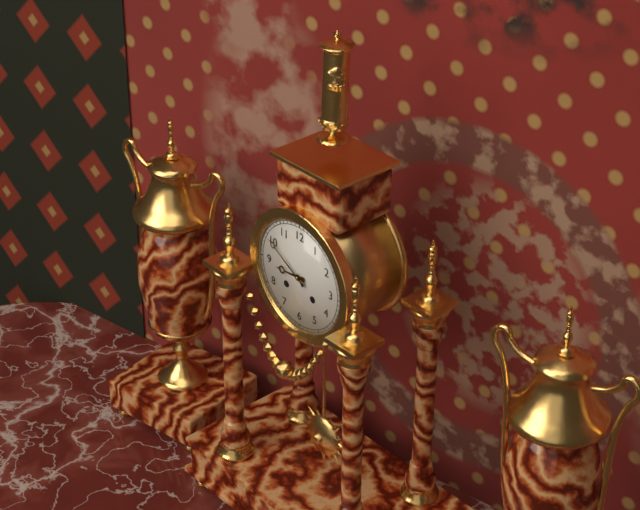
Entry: h=8 m=50
